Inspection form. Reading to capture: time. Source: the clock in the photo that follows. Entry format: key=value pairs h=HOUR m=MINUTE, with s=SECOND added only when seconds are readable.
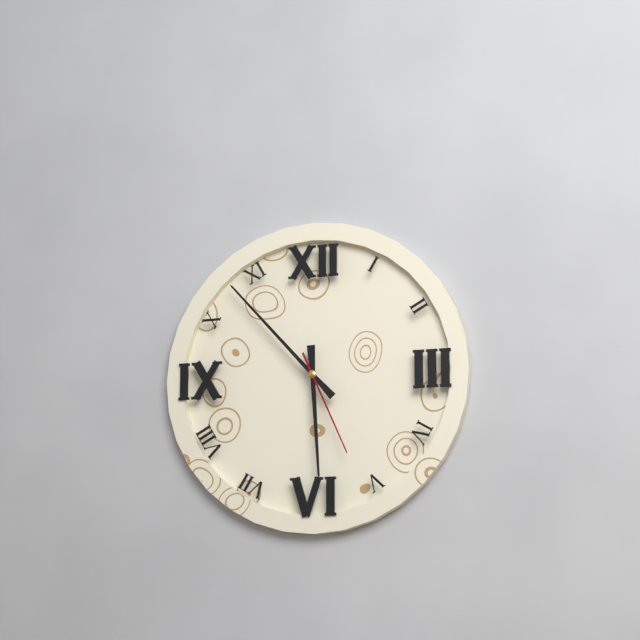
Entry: h=5 m=53 s=26
